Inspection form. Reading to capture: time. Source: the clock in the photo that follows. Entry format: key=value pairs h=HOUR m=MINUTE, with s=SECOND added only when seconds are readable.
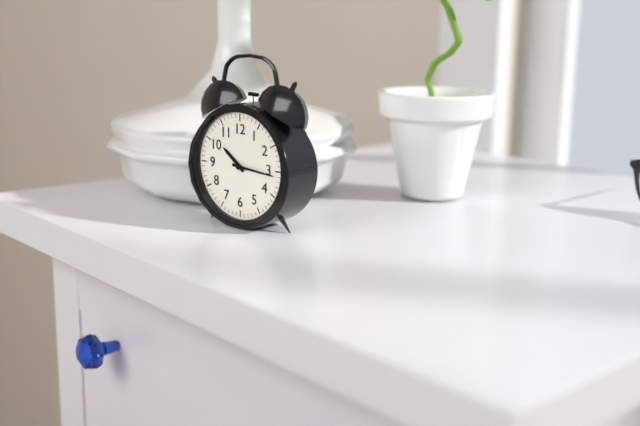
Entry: h=10 m=16
